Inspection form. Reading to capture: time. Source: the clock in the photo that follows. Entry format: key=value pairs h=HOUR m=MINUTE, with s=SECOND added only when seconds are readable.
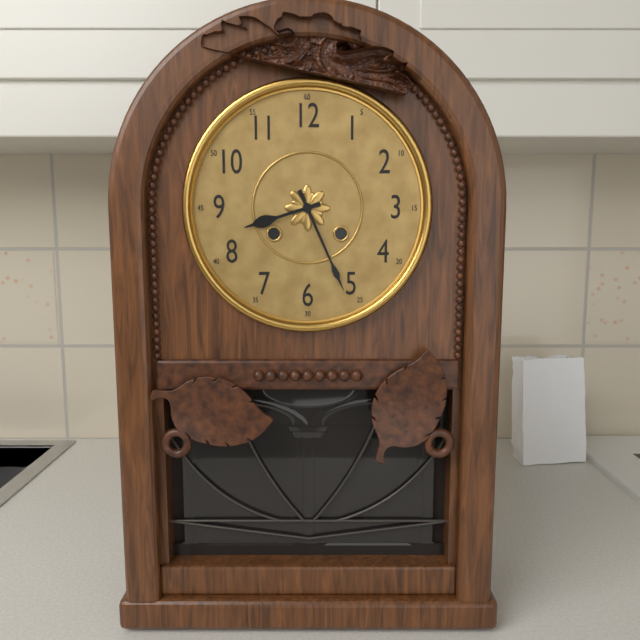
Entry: h=8 m=26
